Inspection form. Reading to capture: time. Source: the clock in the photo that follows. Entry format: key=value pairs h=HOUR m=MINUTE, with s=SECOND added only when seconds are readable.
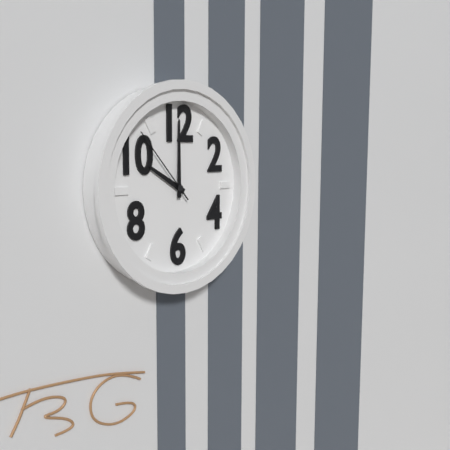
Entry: h=10 m=0 s=53
